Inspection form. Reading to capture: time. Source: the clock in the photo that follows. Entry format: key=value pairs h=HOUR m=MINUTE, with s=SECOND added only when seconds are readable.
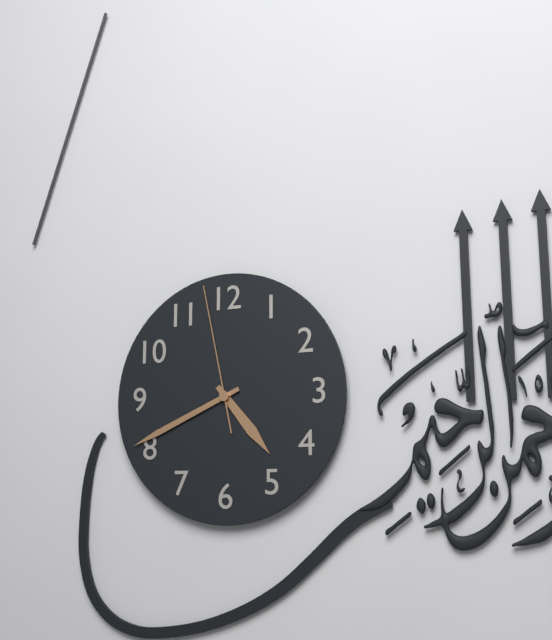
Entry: h=4 m=41 s=58
